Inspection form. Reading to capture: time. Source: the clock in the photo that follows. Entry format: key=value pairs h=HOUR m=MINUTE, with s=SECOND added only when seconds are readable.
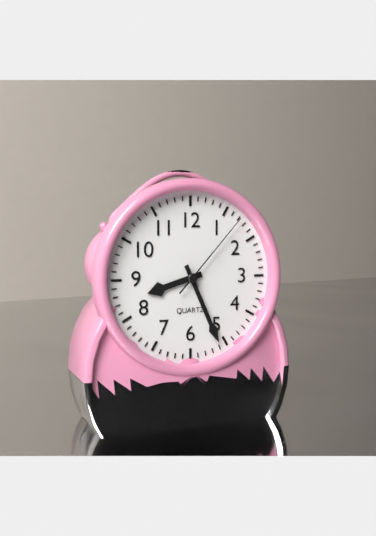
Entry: h=8 m=26 s=7
